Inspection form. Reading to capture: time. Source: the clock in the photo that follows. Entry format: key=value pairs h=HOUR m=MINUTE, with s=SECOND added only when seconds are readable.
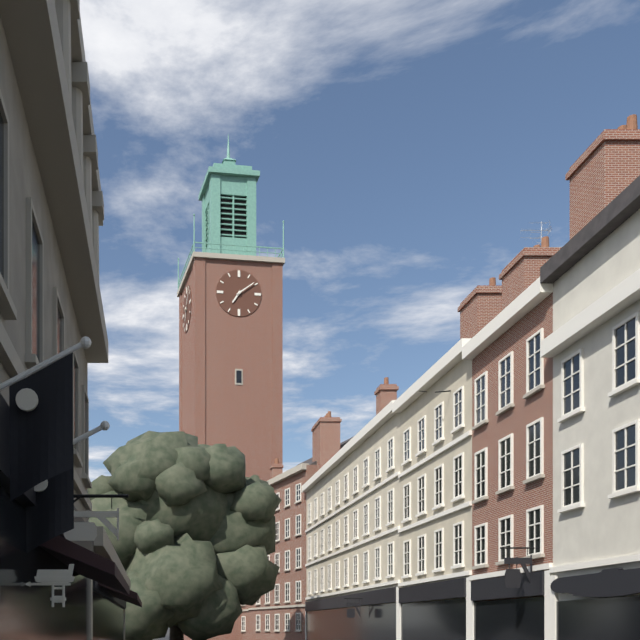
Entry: h=7 m=9
